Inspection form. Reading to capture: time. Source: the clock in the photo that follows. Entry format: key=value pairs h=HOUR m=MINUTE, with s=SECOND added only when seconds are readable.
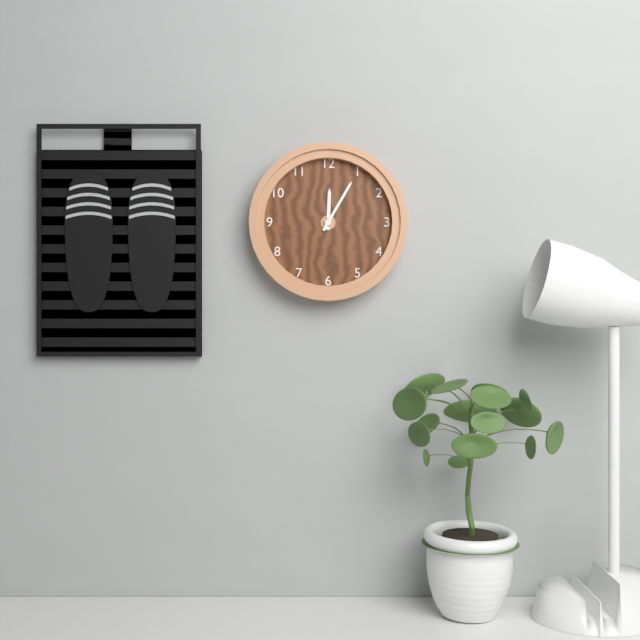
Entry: h=12 m=5
